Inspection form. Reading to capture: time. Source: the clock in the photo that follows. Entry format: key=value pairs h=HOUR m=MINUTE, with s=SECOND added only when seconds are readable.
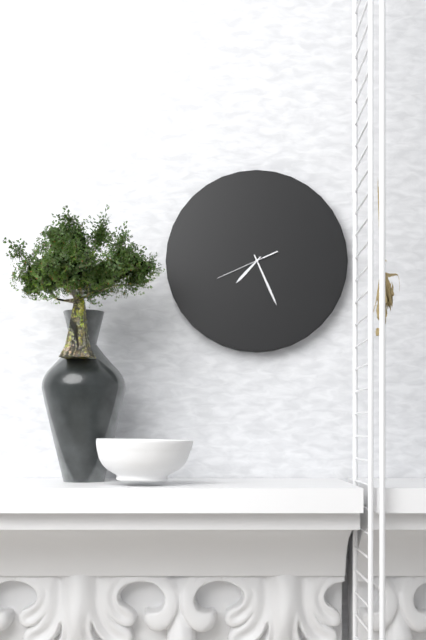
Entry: h=7 m=26 s=41
